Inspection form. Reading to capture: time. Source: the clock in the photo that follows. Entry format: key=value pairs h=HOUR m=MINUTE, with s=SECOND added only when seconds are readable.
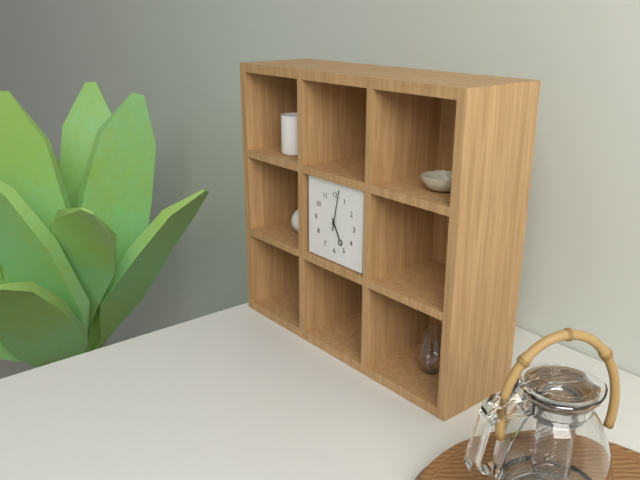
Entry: h=5 m=2
